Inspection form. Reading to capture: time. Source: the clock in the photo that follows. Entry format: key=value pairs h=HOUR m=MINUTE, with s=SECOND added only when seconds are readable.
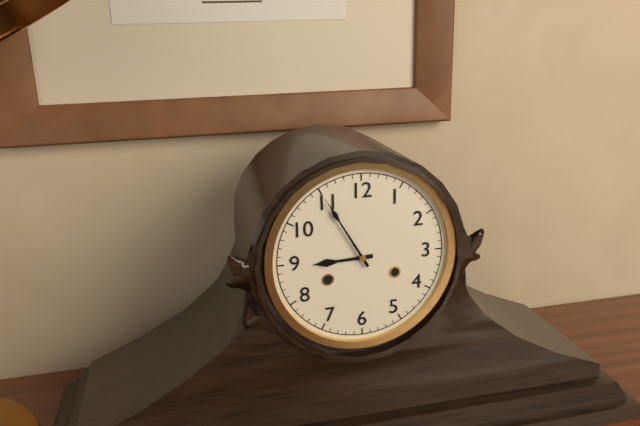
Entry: h=8 m=55
